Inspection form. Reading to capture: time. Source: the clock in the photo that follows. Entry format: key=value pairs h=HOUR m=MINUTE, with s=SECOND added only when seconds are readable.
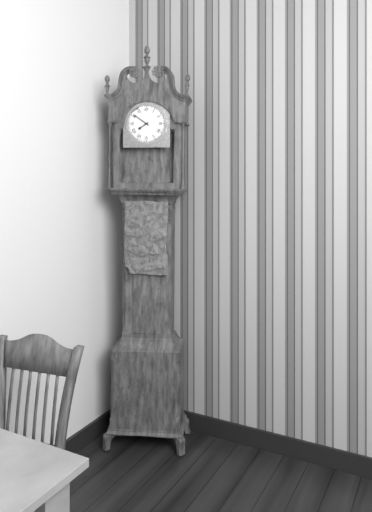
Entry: h=7 m=51
